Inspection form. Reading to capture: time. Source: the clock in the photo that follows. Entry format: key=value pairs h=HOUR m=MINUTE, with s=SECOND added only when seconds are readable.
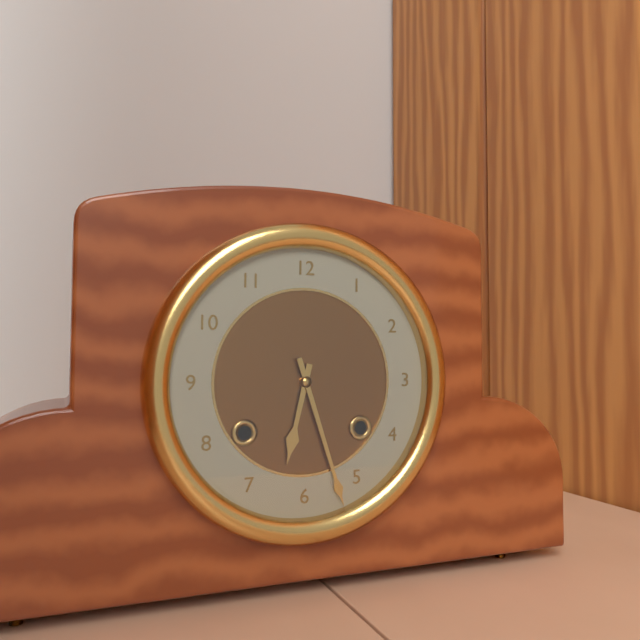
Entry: h=6 m=27
